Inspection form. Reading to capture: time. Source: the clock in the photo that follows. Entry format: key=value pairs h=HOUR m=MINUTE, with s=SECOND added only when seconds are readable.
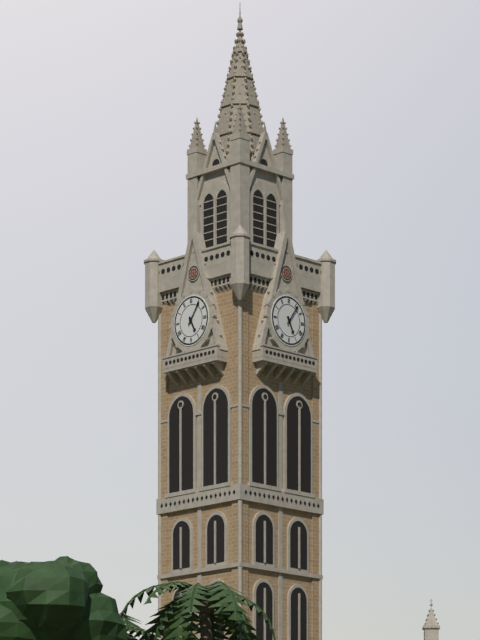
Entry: h=5 m=6
